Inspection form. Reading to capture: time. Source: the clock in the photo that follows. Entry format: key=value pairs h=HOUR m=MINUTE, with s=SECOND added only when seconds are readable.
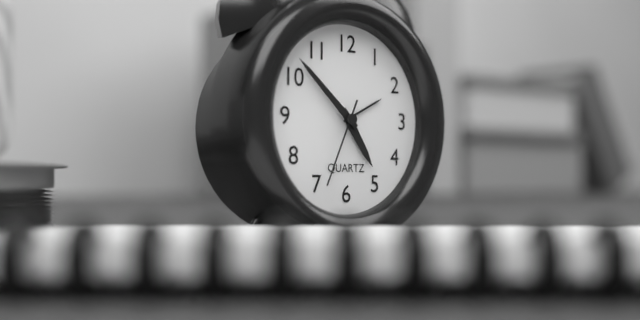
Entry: h=4 m=52 s=34
